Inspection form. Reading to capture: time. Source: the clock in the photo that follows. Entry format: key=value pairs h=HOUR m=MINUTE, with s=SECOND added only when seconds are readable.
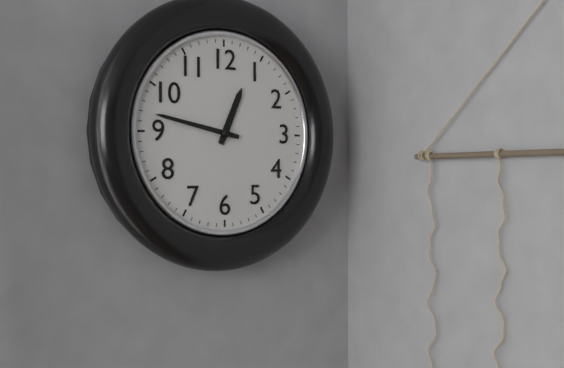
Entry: h=12 m=47
